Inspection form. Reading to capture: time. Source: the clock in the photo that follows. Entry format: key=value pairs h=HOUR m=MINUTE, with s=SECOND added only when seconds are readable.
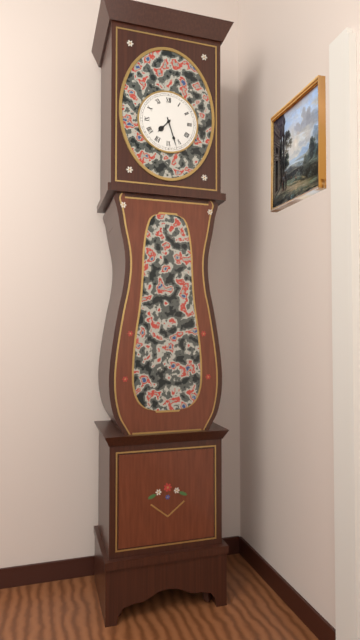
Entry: h=7 m=27
